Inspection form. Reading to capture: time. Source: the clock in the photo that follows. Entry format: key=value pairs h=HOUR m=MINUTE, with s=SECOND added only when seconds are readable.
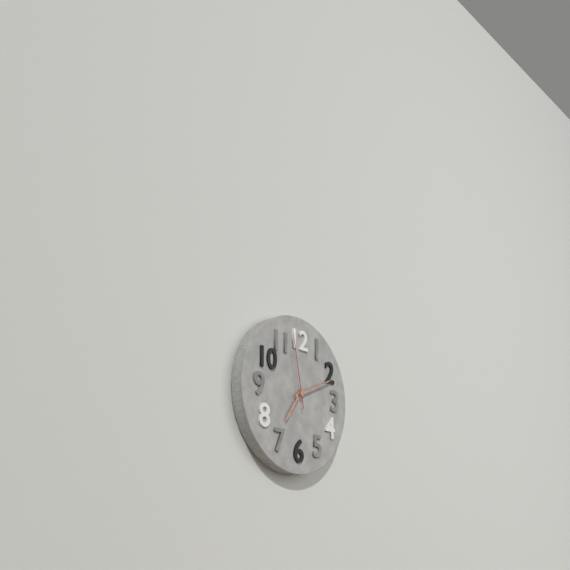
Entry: h=7 m=11 s=58
